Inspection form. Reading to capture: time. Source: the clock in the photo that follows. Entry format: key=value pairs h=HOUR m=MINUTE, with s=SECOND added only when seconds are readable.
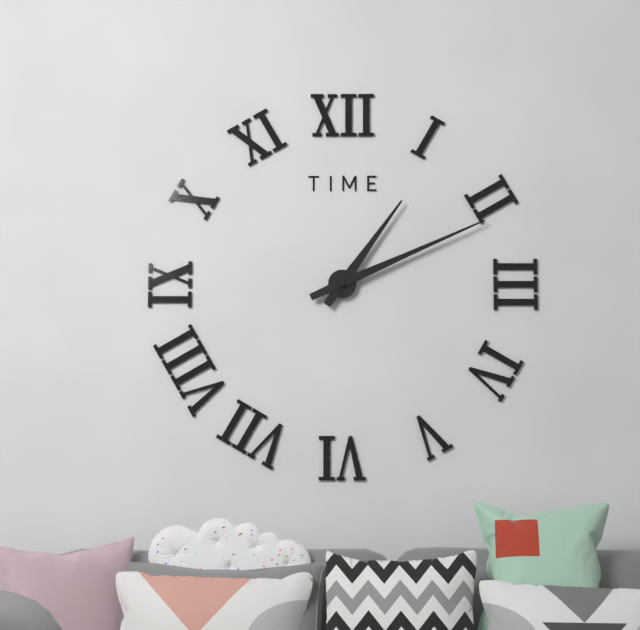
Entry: h=1 m=11
